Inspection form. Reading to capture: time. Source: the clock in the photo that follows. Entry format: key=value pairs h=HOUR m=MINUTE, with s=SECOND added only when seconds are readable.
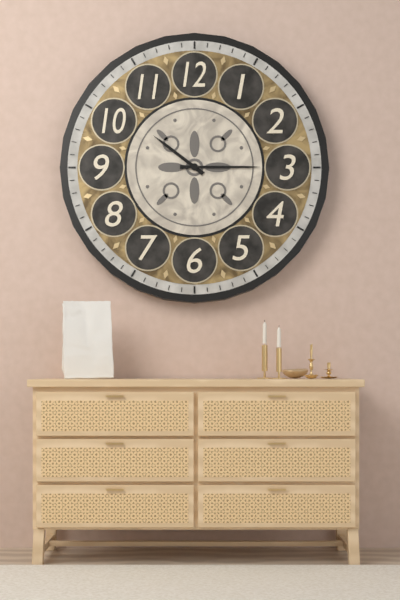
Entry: h=10 m=15
